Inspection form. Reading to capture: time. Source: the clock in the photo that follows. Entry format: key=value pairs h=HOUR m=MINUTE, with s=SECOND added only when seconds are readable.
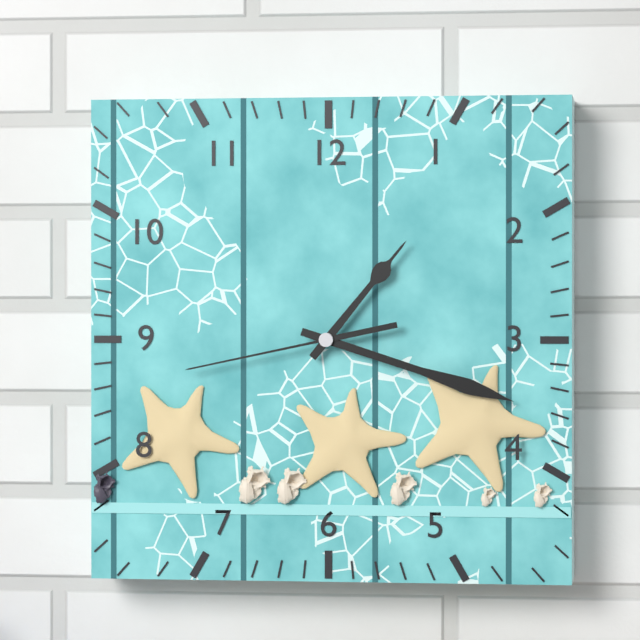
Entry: h=1 m=18 s=43
